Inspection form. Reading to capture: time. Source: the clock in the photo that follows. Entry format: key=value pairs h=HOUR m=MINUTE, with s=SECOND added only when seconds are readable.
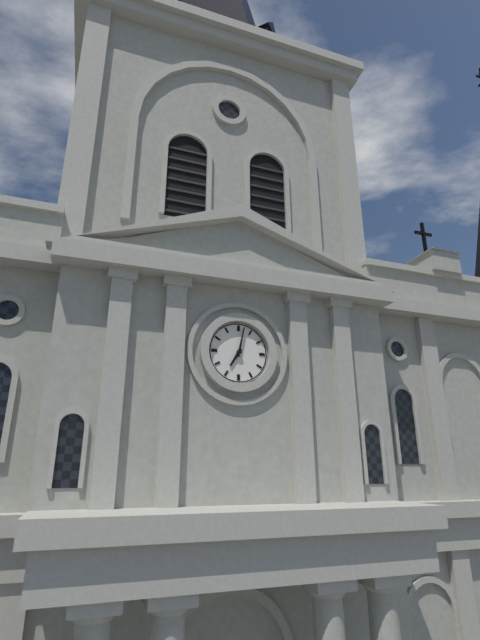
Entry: h=7 m=2
